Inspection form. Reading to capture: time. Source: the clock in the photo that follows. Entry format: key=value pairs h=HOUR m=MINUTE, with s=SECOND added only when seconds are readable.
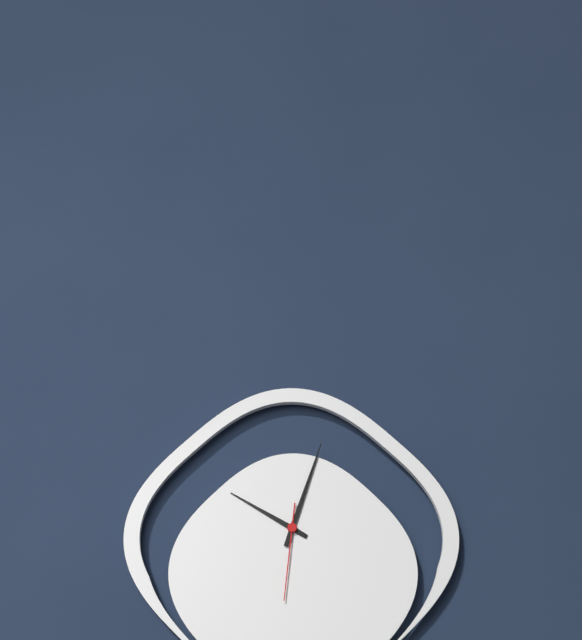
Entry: h=10 m=3 s=31
